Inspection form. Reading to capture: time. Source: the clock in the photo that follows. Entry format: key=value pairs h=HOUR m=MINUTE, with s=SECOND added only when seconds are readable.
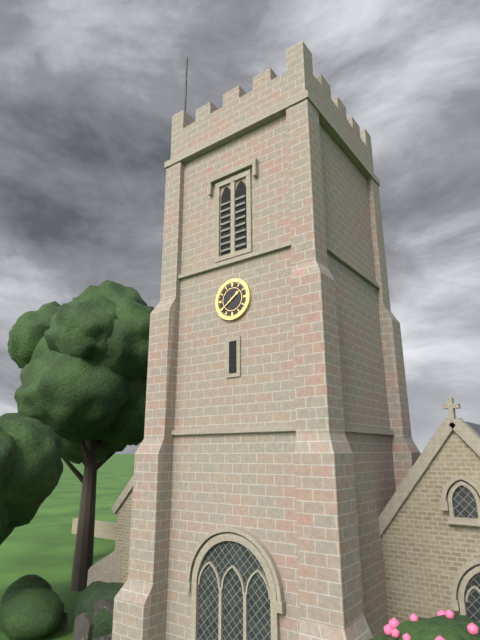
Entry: h=1 m=39
